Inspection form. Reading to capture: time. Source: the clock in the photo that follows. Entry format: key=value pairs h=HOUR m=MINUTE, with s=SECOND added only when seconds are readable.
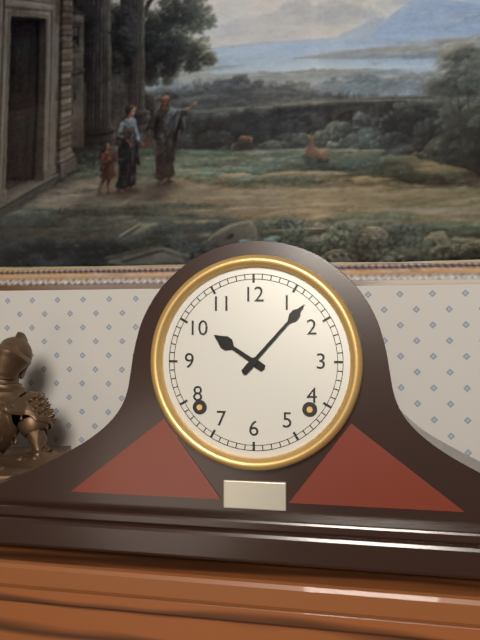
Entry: h=10 m=7
